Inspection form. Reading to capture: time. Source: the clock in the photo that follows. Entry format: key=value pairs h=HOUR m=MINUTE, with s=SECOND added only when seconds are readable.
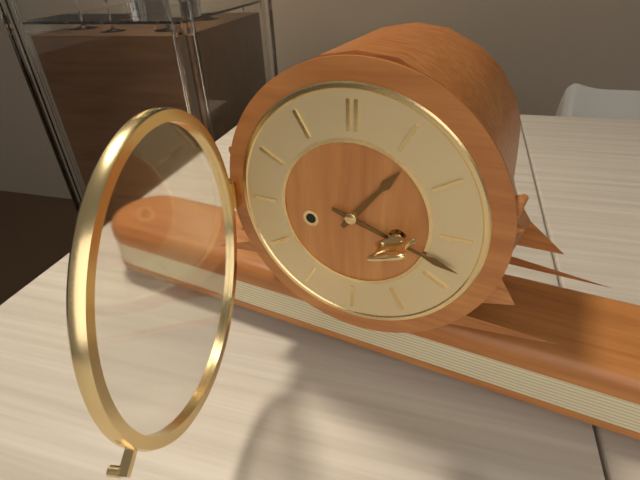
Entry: h=1 m=18
